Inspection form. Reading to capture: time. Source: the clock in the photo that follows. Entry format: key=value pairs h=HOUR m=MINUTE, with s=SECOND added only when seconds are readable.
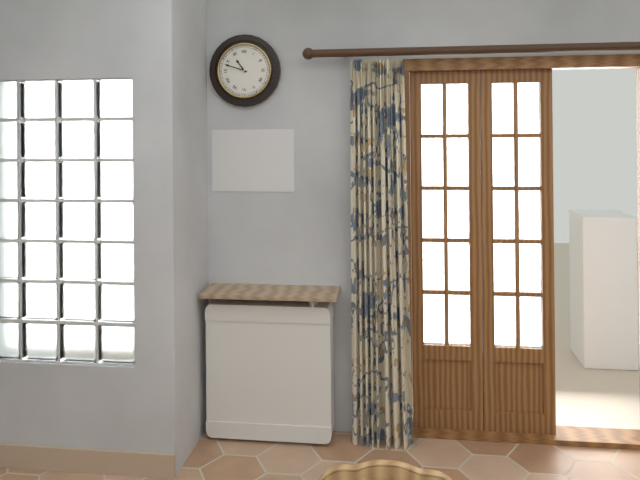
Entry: h=10 m=48
